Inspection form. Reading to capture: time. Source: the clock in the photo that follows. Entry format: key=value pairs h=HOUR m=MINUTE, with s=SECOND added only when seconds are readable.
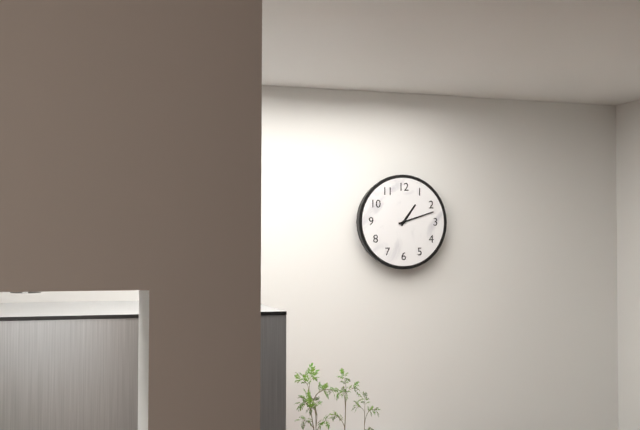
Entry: h=1 m=12
